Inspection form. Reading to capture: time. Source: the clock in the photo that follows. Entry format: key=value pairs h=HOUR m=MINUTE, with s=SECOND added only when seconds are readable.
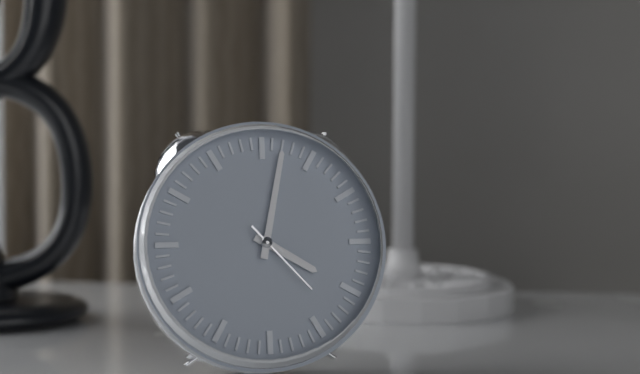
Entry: h=4 m=2 s=23
